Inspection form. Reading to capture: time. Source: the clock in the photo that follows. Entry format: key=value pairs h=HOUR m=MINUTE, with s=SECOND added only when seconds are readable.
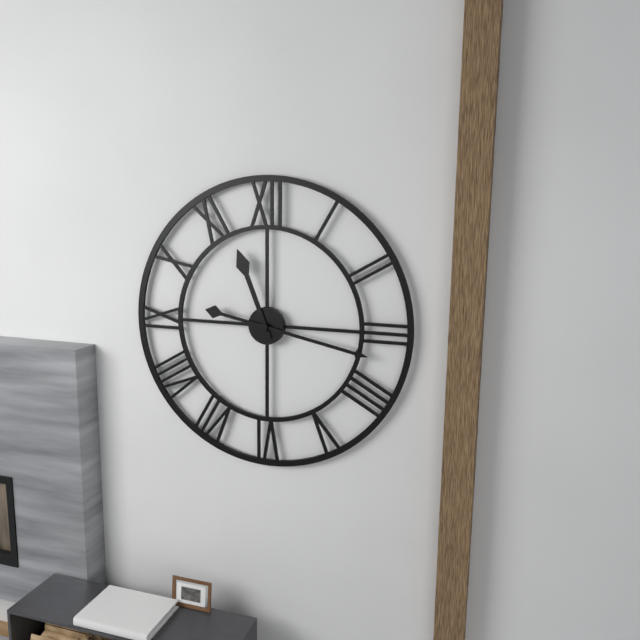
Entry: h=11 m=17
